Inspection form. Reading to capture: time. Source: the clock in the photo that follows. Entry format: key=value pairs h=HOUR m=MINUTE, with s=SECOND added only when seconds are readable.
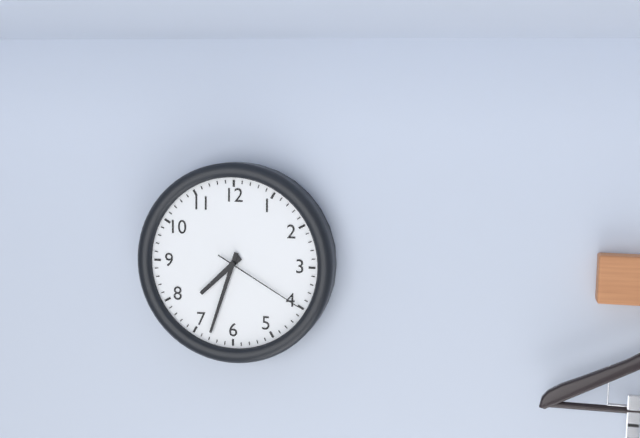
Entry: h=7 m=33 s=20
